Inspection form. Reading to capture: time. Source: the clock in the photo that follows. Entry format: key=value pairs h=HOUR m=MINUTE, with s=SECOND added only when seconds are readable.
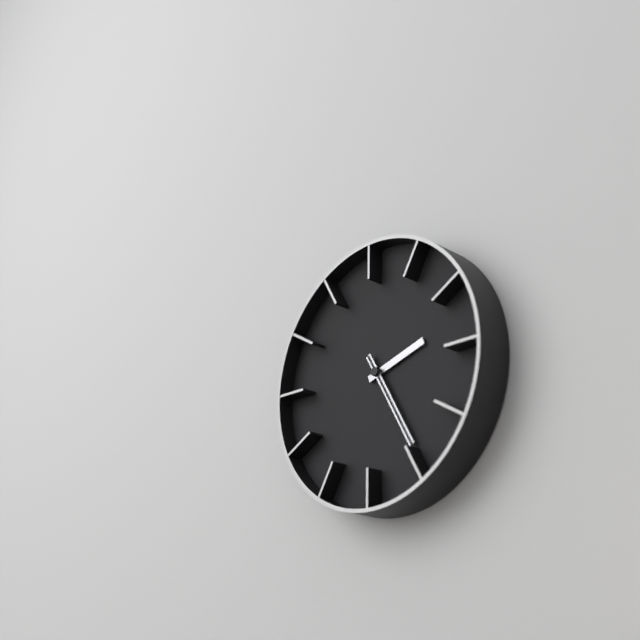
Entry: h=2 m=25 s=25
